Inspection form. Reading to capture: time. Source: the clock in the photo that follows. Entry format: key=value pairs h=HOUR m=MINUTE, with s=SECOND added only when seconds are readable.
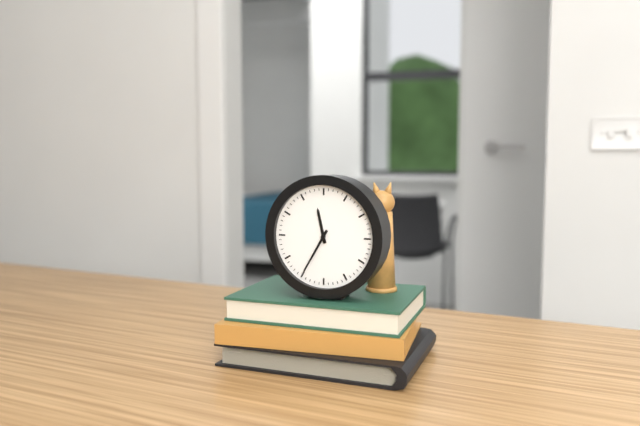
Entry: h=11 m=35
